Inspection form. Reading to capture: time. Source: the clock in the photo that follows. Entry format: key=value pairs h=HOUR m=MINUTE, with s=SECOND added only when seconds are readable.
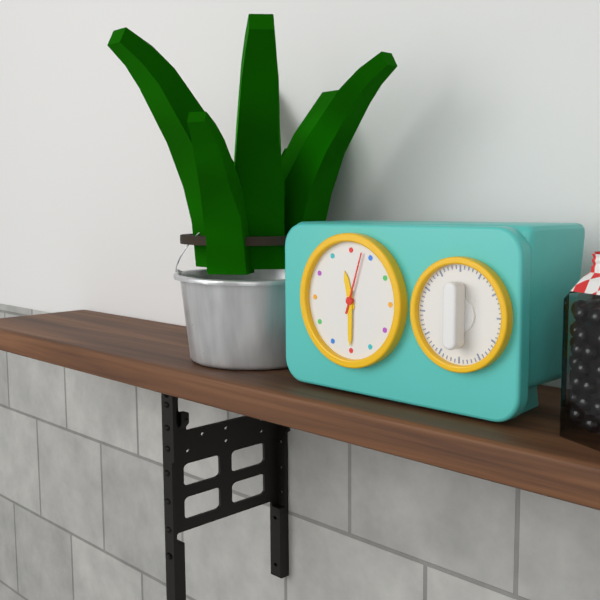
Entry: h=11 m=30 s=3
